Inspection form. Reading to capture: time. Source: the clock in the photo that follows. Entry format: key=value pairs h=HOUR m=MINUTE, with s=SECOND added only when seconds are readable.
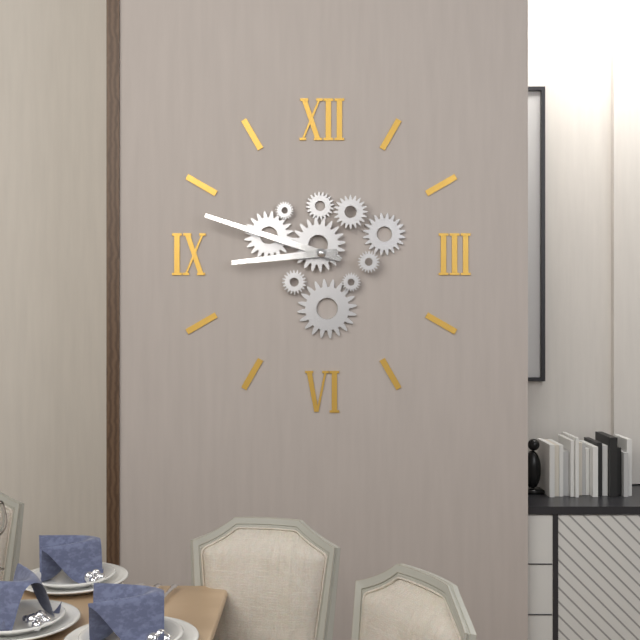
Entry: h=8 m=48
